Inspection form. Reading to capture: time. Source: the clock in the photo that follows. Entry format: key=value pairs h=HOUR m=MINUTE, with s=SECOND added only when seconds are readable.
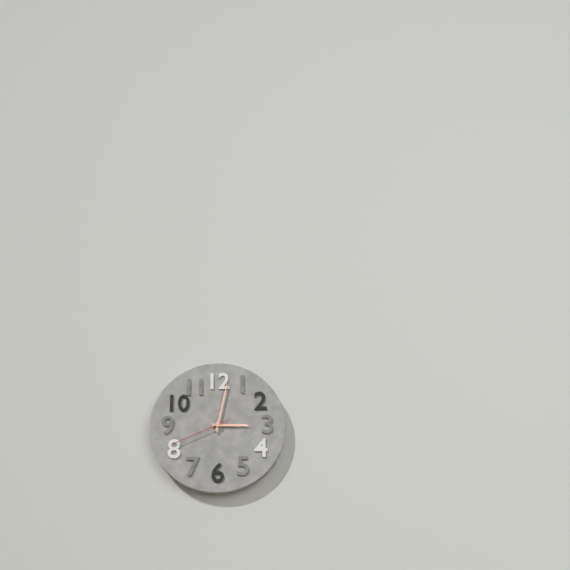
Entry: h=3 m=2 s=41
